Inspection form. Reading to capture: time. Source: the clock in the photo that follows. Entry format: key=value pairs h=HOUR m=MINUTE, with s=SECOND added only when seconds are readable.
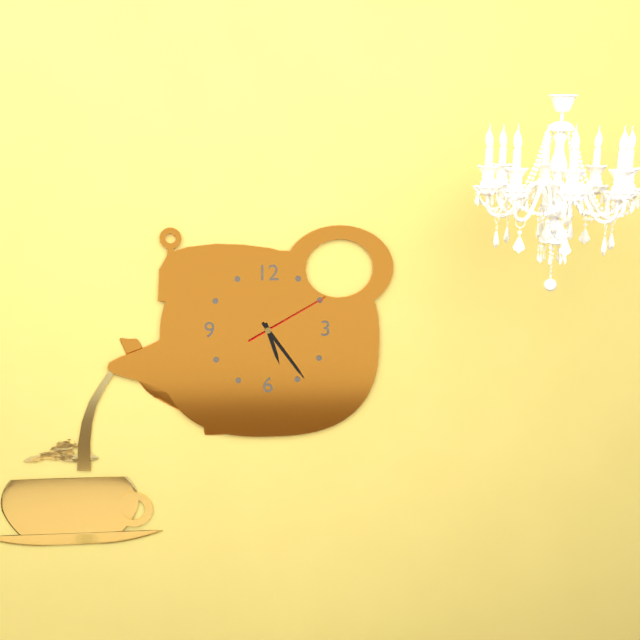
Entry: h=5 m=24 s=10
